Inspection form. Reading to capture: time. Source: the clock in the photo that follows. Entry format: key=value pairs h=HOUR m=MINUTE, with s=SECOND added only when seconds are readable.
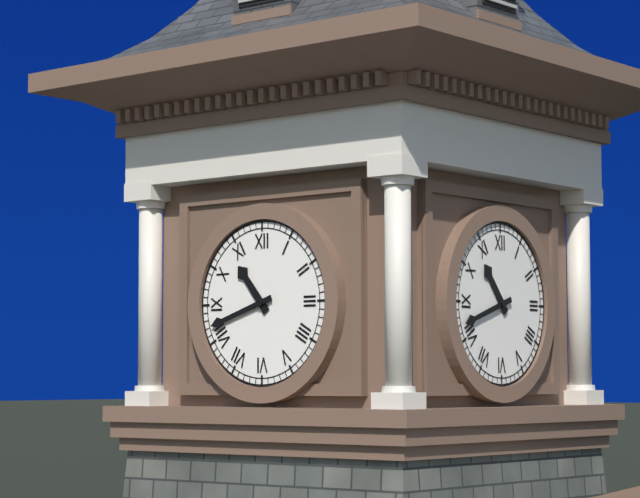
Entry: h=10 m=42
